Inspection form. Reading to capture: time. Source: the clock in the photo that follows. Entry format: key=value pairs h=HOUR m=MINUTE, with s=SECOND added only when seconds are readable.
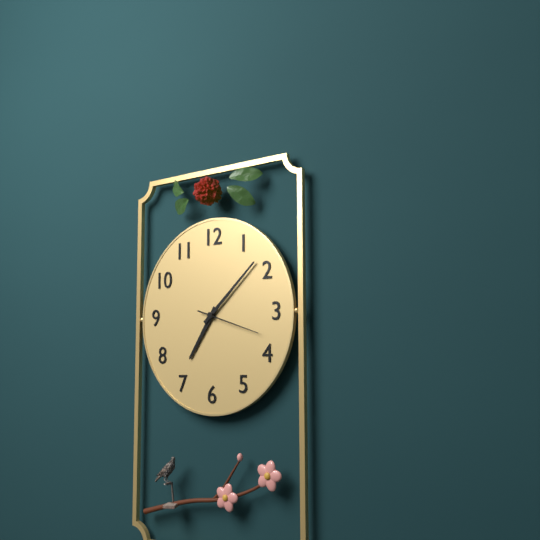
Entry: h=7 m=8 s=18
